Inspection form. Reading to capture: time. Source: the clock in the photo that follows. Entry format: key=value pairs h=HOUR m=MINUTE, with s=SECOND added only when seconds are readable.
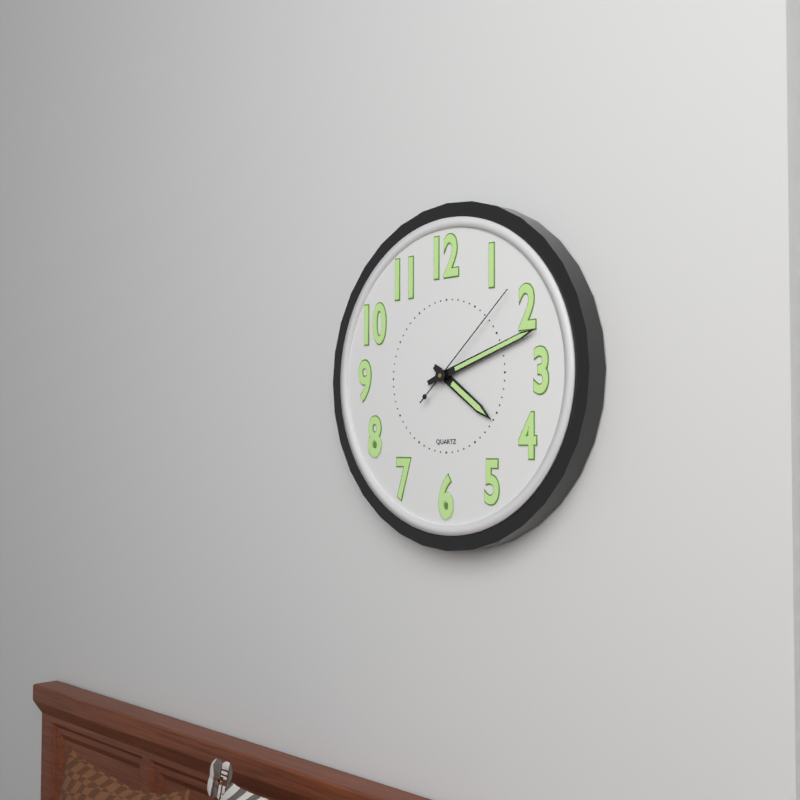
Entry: h=4 m=12 s=8
